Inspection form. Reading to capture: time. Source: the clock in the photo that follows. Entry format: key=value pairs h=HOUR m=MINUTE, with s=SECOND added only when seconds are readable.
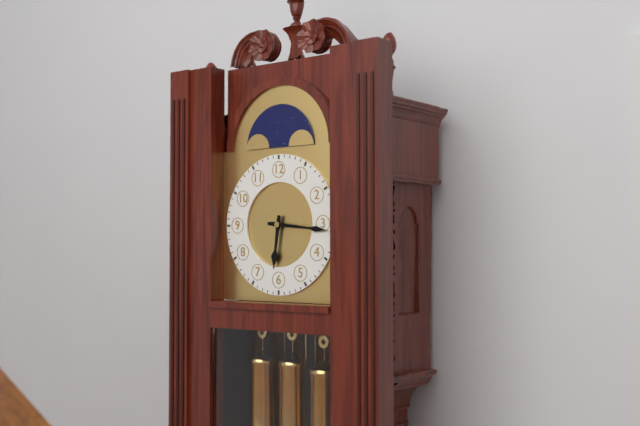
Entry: h=6 m=16
